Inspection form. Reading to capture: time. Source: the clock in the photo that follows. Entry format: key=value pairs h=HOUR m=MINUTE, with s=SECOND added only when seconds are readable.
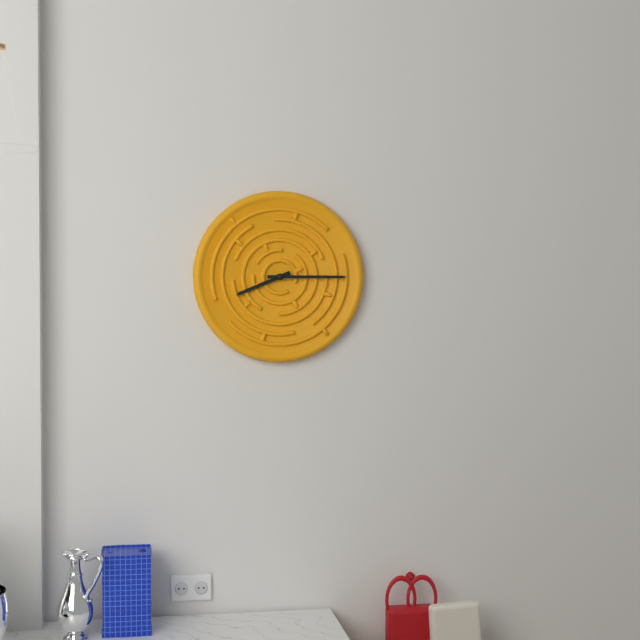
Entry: h=8 m=15
